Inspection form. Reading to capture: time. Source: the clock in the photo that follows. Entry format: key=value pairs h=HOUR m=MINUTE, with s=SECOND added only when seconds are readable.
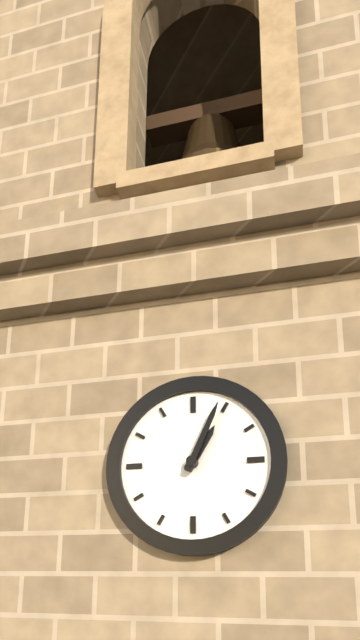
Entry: h=1 m=4
